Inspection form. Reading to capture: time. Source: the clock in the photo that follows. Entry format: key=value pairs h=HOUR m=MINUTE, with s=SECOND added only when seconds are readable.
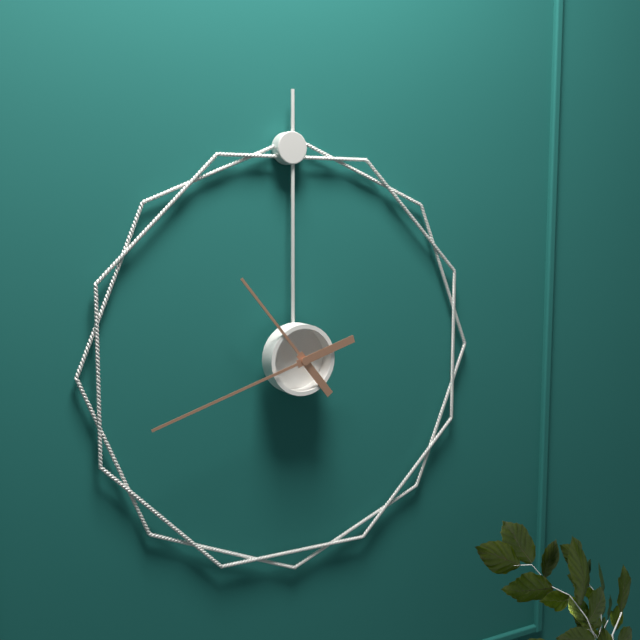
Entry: h=10 m=42
